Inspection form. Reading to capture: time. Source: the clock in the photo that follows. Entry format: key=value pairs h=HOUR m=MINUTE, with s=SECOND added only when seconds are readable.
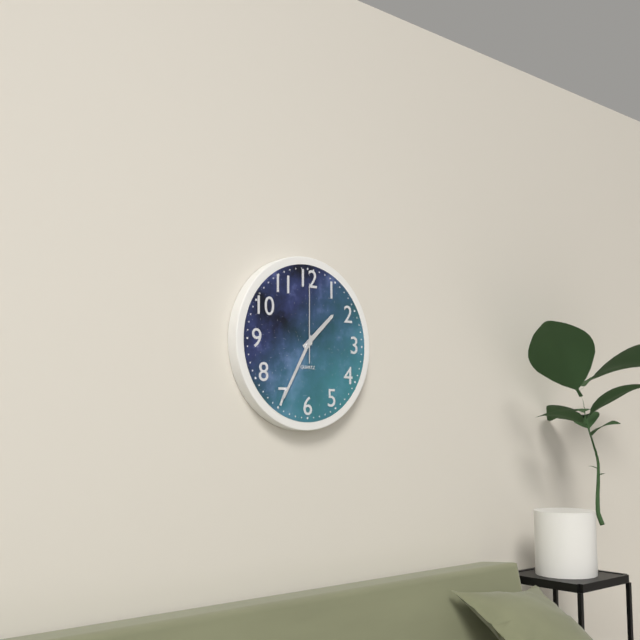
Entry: h=1 m=35 s=0
